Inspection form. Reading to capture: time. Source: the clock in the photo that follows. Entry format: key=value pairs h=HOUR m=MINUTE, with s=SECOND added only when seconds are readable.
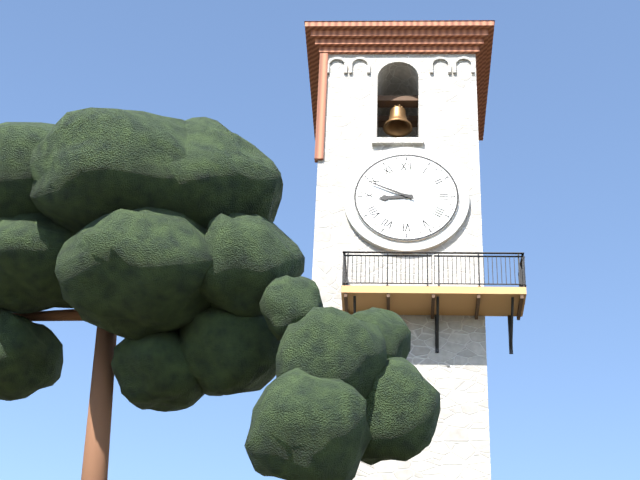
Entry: h=8 m=49
